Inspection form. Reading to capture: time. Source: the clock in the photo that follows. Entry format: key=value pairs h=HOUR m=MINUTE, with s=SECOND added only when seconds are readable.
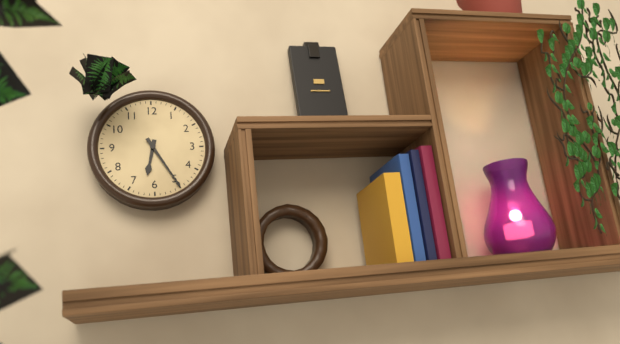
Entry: h=6 m=25
